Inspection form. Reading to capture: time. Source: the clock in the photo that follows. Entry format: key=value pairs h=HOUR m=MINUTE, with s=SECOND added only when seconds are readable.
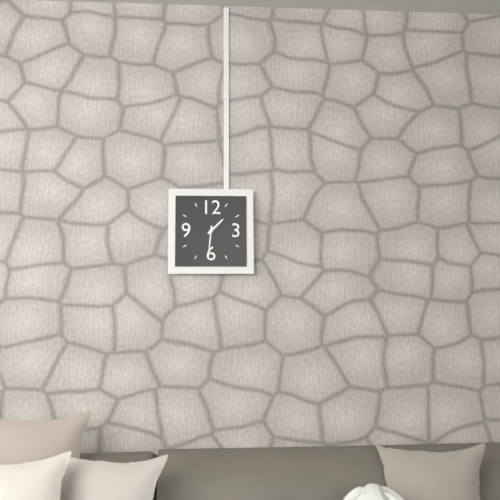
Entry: h=1 m=31
